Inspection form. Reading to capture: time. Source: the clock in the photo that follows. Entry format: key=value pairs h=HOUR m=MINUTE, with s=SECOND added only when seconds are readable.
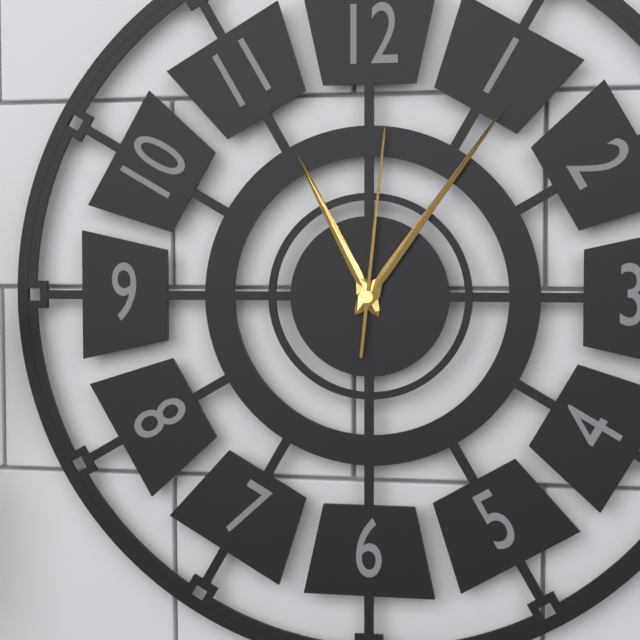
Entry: h=11 m=6 s=1
